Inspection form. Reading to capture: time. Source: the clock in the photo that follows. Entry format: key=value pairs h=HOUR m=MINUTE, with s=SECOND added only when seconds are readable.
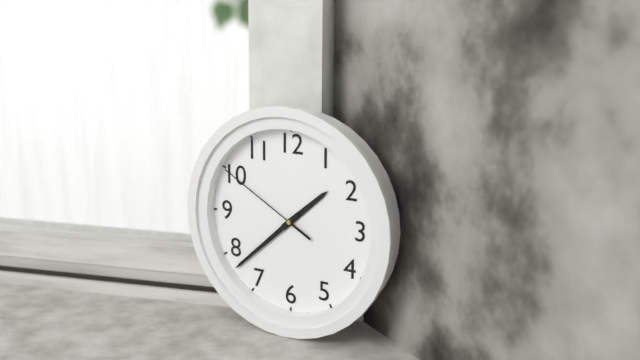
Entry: h=1 m=38 s=50
